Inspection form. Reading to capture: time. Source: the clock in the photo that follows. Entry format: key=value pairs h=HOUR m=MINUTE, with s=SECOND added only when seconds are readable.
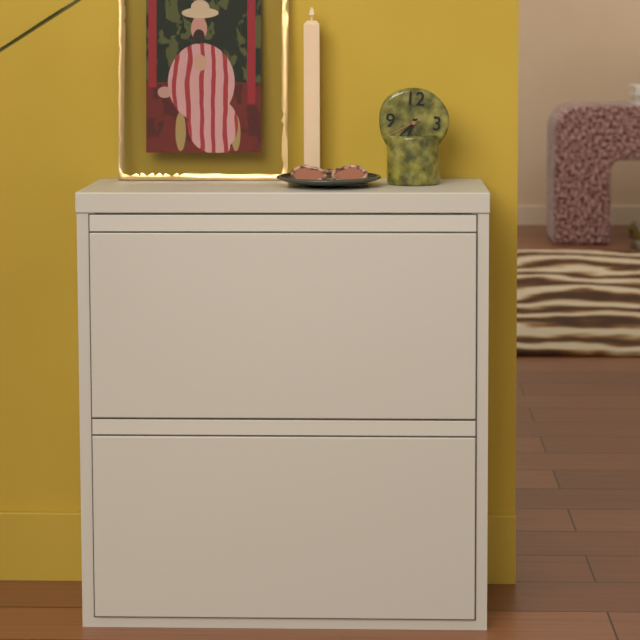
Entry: h=6 m=37
